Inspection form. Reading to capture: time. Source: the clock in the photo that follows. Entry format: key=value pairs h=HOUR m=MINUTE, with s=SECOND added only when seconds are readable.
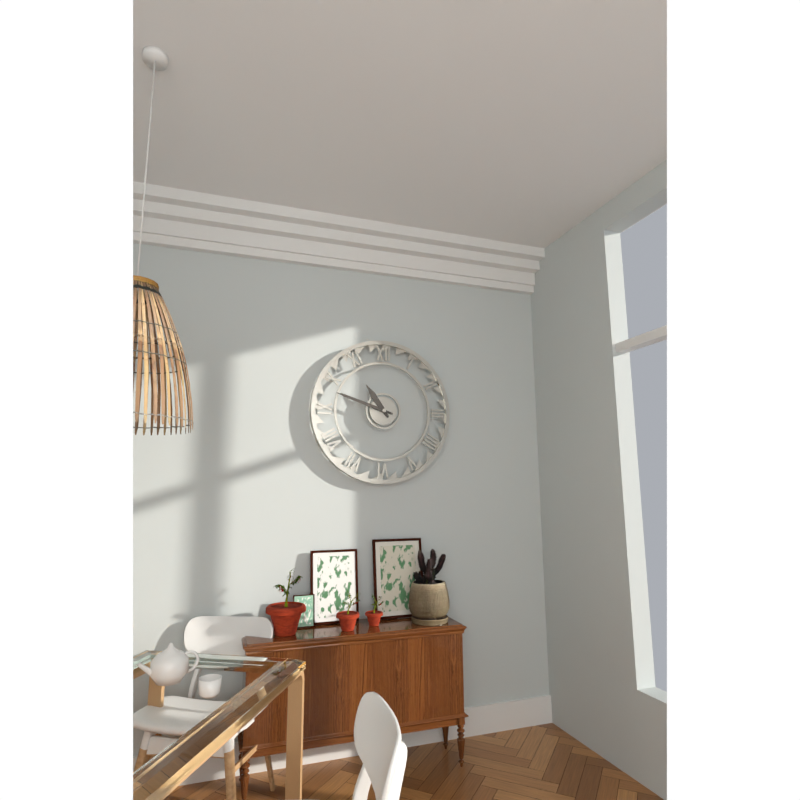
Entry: h=10 m=48
